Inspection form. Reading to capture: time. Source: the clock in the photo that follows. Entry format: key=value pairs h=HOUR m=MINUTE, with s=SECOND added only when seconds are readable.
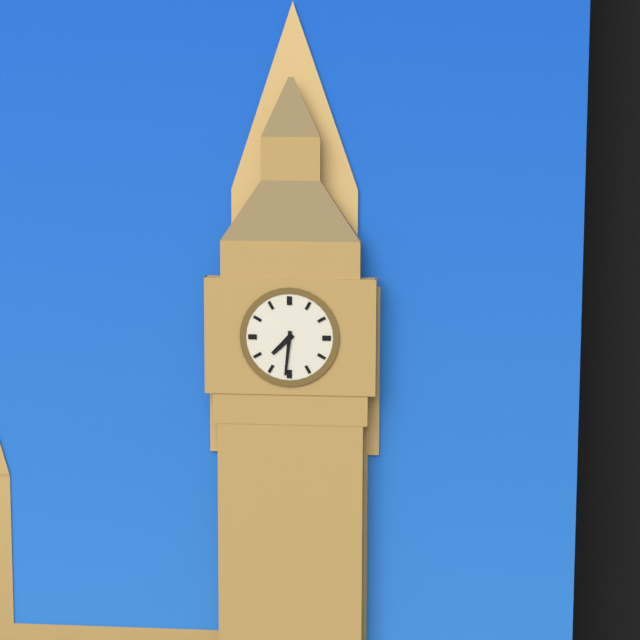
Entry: h=7 m=31
